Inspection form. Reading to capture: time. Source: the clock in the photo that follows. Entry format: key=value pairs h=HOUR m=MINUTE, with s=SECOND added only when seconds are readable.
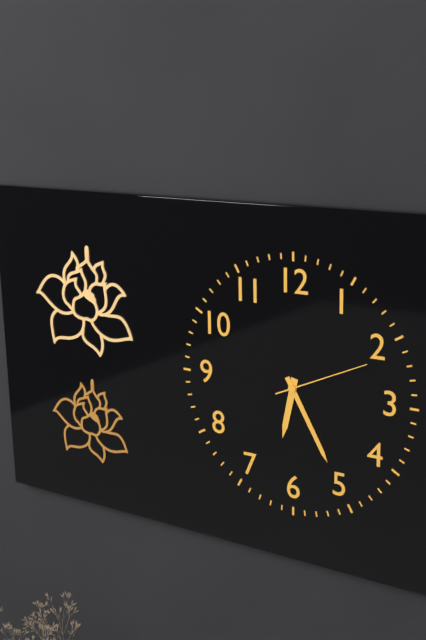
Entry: h=6 m=25 s=11
